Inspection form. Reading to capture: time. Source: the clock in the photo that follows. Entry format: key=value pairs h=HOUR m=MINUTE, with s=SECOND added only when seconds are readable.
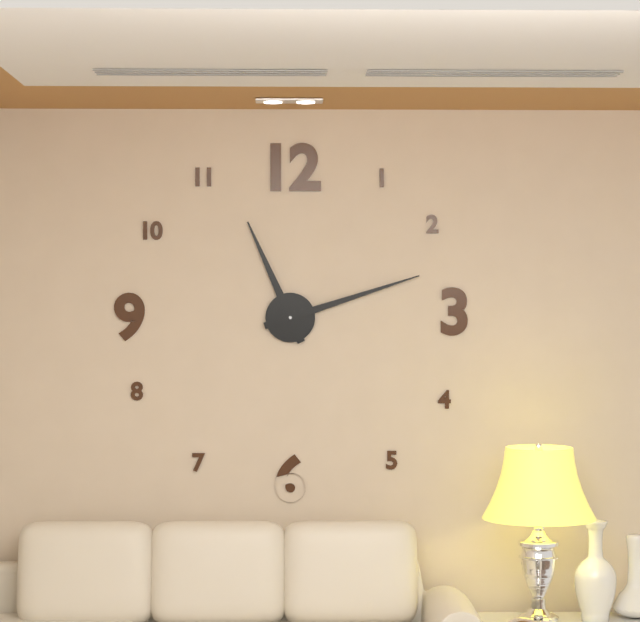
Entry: h=11 m=12
